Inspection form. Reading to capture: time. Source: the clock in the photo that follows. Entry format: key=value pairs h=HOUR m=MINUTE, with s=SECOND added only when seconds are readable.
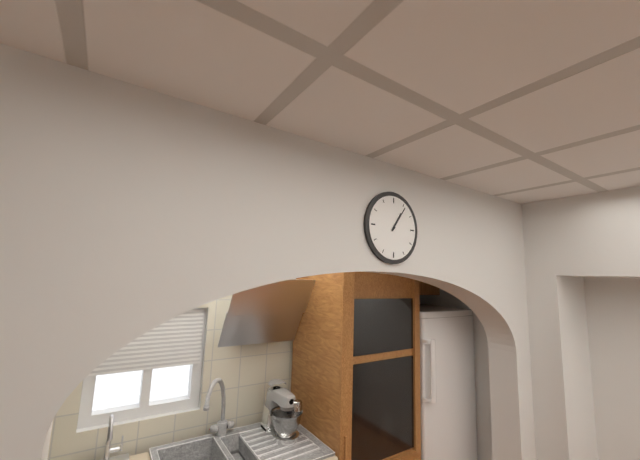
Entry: h=1 m=6
